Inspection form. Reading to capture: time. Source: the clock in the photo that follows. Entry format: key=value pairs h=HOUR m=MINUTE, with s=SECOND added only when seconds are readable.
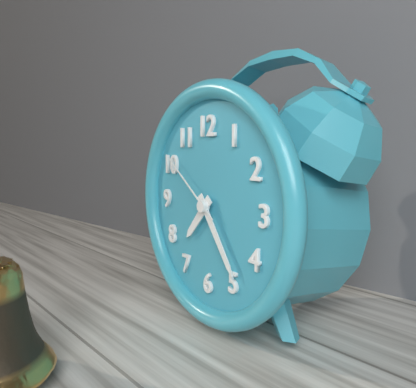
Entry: h=7 m=24 s=51
